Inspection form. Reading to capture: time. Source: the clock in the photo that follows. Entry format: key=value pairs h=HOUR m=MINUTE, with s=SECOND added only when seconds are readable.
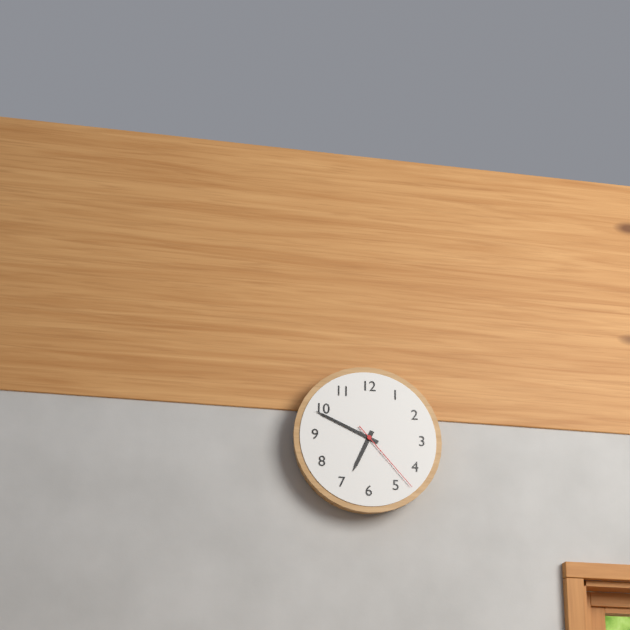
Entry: h=6 m=49 s=23
